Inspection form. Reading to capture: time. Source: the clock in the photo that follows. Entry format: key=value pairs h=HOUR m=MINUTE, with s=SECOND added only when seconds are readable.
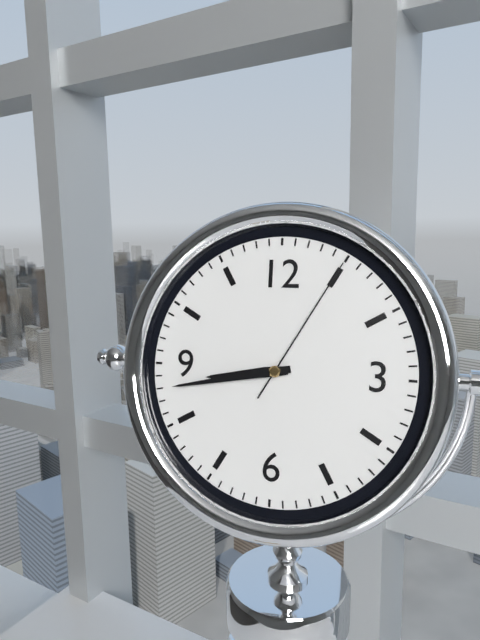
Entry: h=8 m=43 s=5
